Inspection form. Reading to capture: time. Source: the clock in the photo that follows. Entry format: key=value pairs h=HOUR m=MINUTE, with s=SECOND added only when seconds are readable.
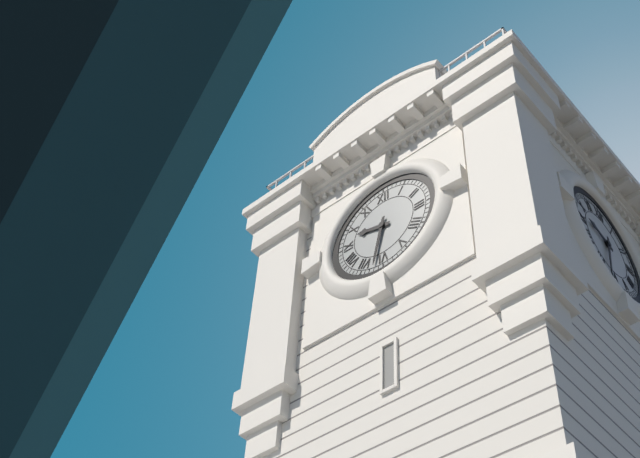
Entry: h=9 m=32
